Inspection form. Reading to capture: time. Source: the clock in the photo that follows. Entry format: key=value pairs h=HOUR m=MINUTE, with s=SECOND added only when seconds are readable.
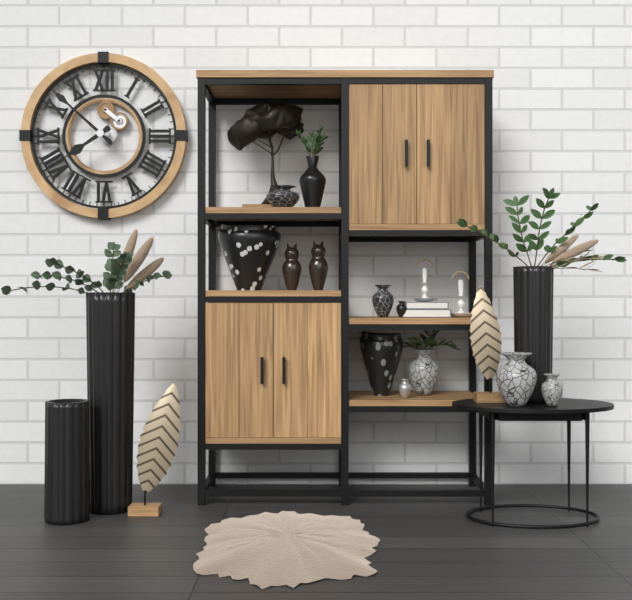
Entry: h=7 m=52
